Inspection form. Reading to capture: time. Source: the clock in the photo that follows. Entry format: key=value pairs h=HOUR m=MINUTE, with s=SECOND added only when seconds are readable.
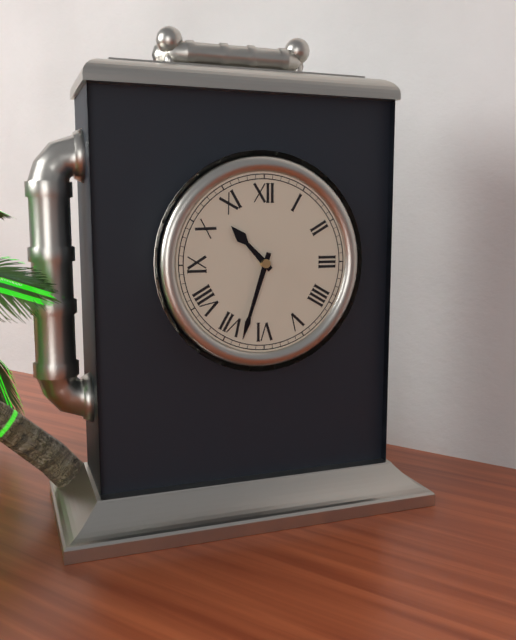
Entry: h=10 m=33
